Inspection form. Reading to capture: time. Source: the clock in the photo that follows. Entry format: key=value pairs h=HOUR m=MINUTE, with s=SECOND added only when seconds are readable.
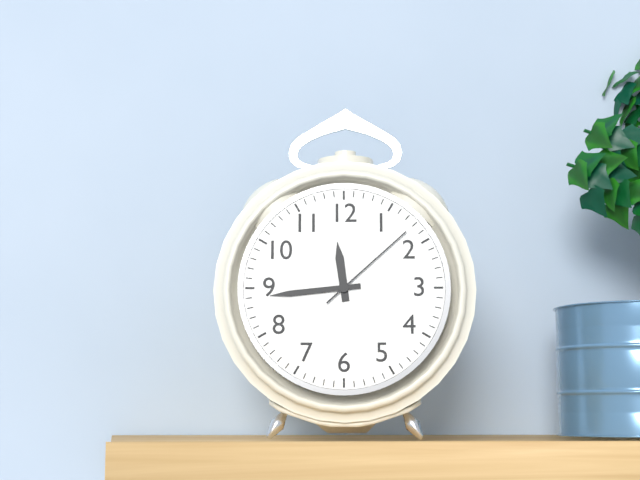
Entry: h=11 m=44 s=8
